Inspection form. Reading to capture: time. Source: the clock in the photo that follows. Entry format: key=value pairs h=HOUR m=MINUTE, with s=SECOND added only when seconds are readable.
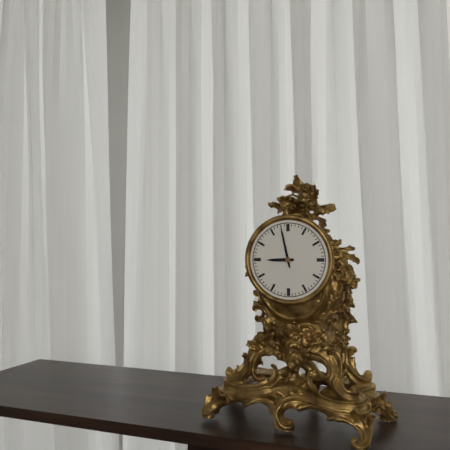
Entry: h=8 m=58
